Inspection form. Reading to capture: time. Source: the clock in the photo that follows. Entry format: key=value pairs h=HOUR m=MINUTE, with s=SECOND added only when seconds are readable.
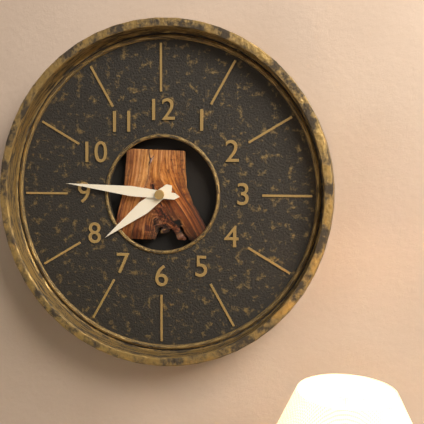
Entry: h=7 m=46
